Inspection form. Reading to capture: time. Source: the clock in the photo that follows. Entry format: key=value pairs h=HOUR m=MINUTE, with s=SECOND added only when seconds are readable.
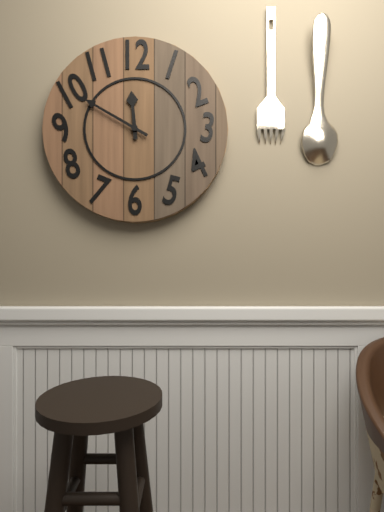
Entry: h=11 m=50
